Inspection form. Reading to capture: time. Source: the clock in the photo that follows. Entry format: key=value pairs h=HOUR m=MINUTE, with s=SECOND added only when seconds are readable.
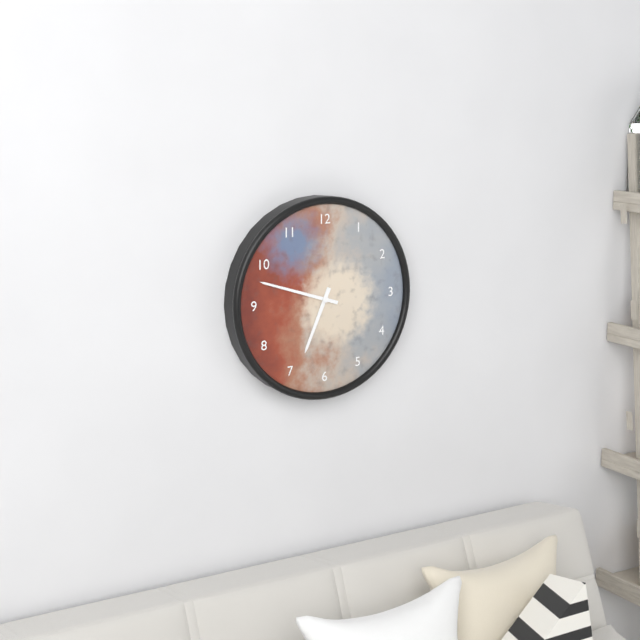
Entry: h=6 m=48
